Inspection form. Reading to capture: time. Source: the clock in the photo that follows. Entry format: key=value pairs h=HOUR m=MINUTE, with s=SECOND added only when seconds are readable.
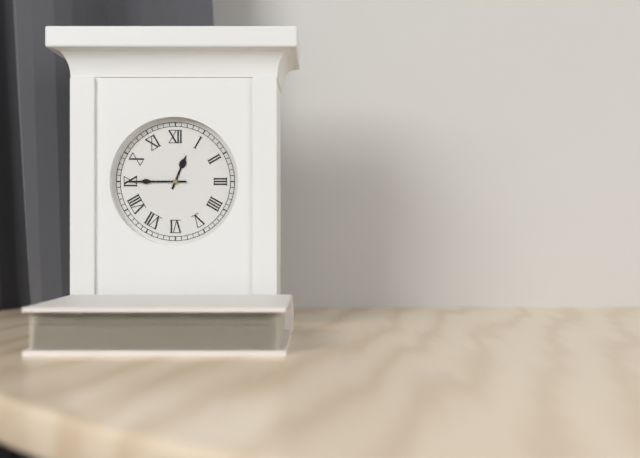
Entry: h=12 m=45
